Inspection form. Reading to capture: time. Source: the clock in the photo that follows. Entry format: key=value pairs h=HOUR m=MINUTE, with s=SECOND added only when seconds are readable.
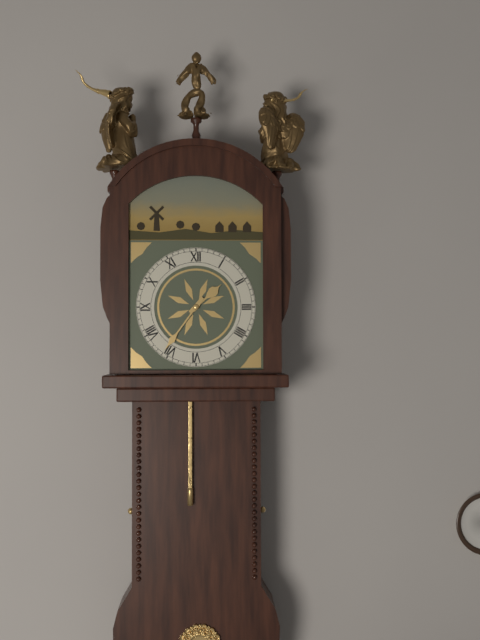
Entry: h=1 m=36
